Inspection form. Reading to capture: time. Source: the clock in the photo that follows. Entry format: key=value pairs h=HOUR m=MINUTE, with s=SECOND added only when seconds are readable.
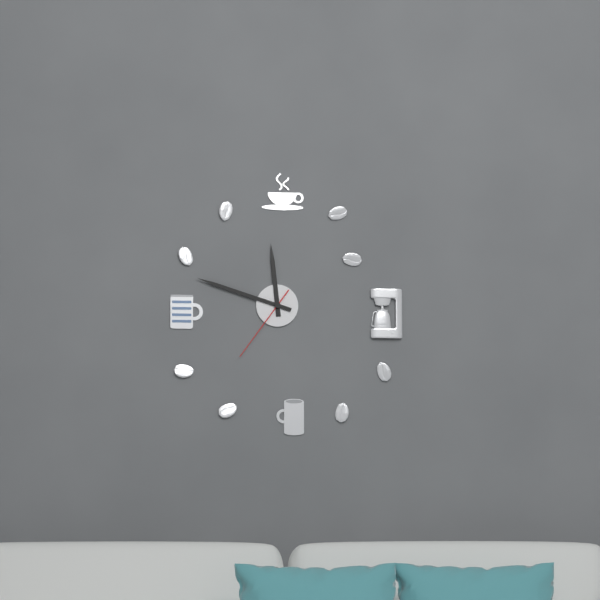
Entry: h=11 m=48 s=36
